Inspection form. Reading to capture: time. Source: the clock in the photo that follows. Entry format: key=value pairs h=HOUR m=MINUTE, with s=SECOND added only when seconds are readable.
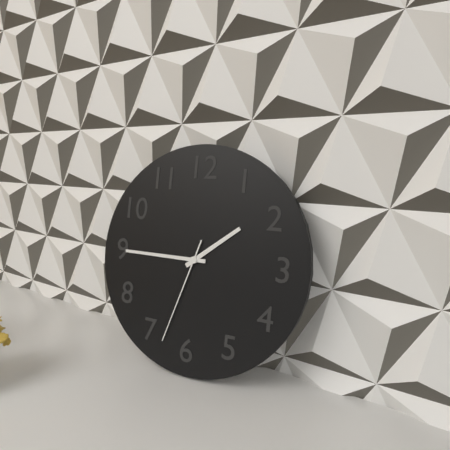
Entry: h=1 m=45 s=33
